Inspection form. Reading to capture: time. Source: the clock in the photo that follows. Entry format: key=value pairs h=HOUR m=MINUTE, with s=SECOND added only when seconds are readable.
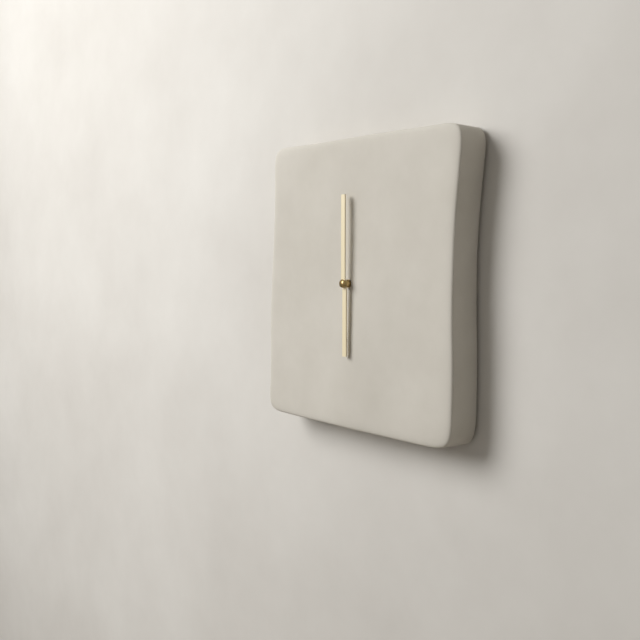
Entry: h=6 m=0
